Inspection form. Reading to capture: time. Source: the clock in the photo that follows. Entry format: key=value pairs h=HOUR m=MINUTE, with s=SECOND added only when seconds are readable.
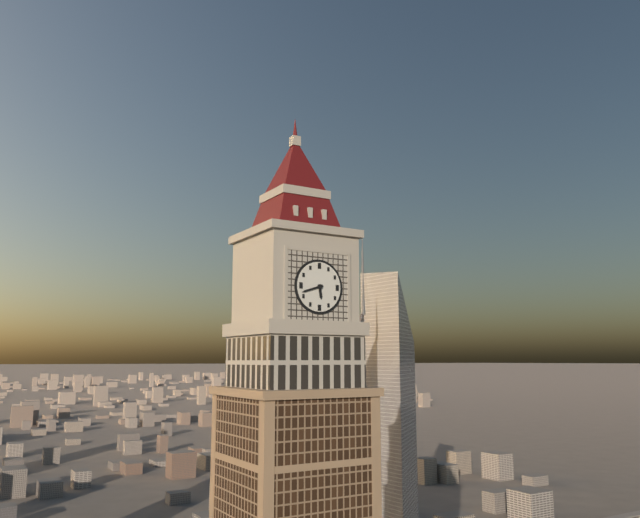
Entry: h=5 m=42
